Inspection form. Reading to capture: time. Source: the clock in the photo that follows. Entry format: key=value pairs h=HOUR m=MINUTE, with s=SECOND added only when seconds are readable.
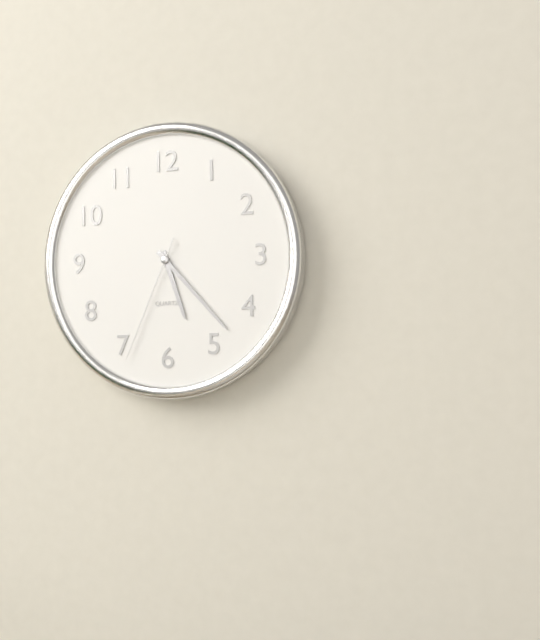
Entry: h=5 m=23 s=34
